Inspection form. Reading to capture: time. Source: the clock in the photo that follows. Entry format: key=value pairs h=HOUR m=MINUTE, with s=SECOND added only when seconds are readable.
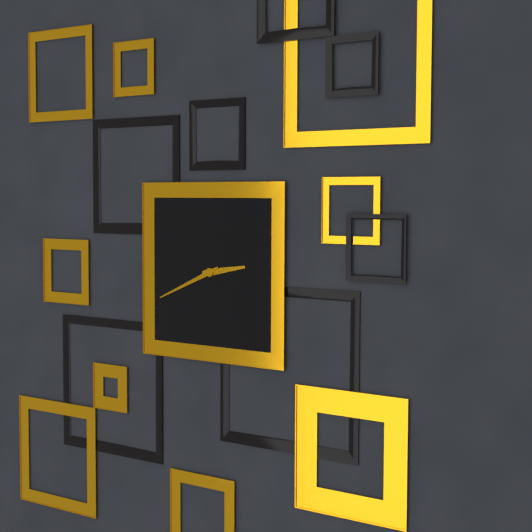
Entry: h=2 m=41
